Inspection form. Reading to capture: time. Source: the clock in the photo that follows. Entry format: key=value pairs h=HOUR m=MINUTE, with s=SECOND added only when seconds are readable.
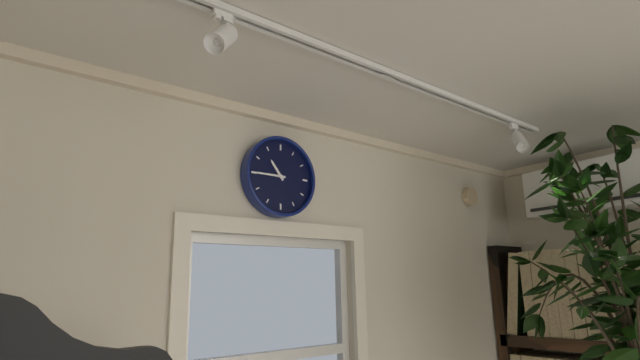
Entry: h=10 m=45
